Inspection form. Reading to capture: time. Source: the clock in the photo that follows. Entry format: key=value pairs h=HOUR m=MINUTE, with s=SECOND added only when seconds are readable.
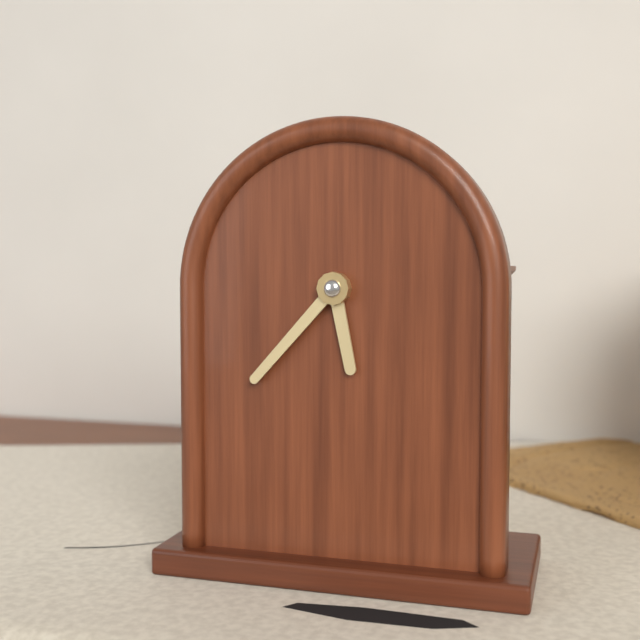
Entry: h=5 m=37
